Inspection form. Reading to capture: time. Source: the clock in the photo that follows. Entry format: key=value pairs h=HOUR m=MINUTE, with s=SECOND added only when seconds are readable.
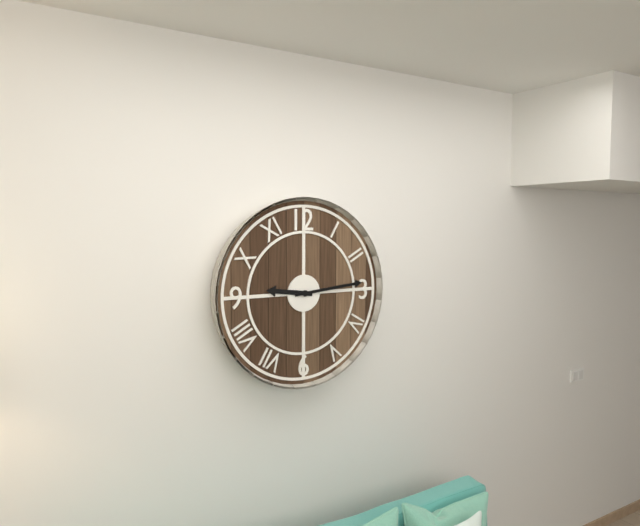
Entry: h=9 m=14
